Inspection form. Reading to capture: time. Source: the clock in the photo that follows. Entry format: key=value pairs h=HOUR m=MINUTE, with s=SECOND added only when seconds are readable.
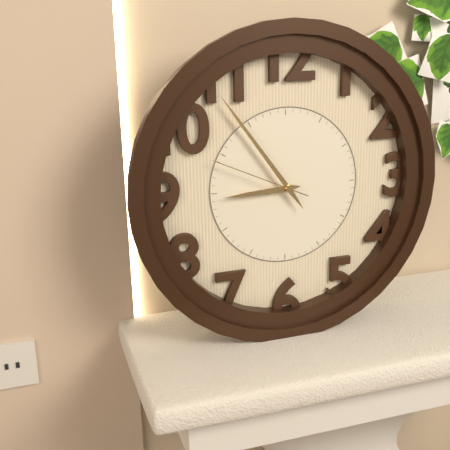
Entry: h=8 m=54 s=49
